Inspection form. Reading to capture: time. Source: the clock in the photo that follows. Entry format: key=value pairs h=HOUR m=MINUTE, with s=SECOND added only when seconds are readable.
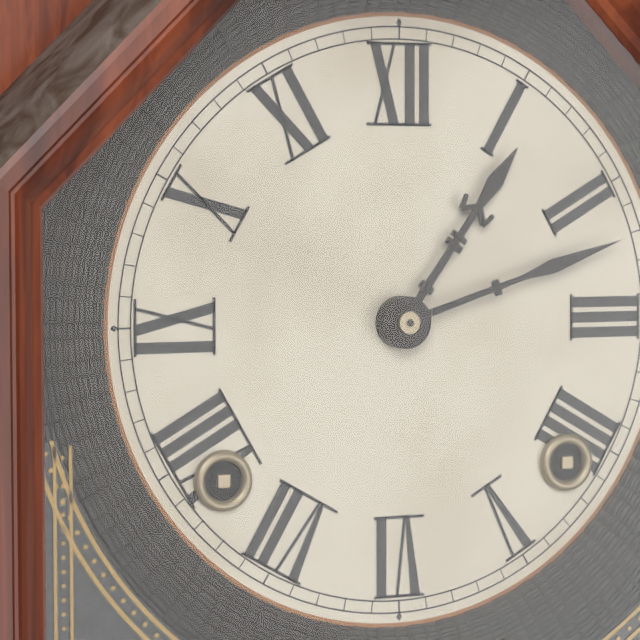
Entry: h=1 m=12
